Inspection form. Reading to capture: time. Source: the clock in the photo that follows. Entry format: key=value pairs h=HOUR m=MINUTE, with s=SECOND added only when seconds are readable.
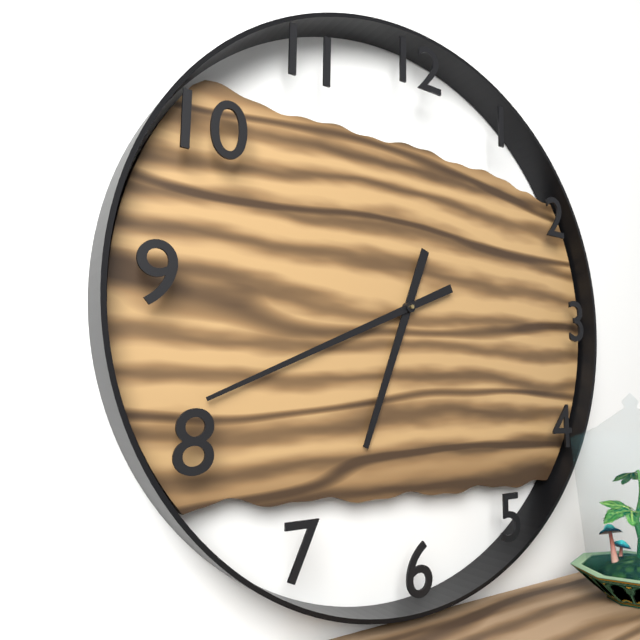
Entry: h=6 m=41
